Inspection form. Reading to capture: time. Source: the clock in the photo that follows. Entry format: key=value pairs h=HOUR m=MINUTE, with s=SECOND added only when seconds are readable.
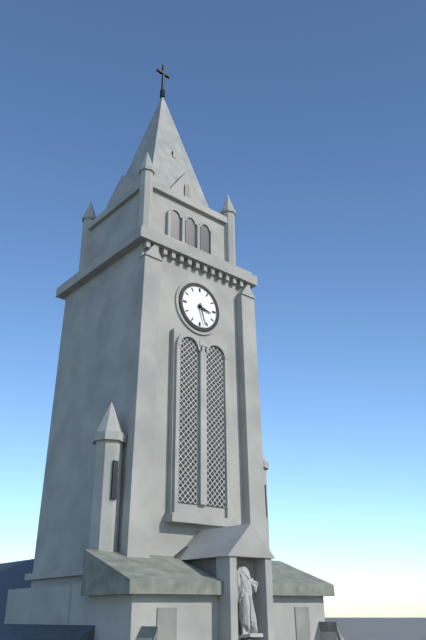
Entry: h=3 m=27
